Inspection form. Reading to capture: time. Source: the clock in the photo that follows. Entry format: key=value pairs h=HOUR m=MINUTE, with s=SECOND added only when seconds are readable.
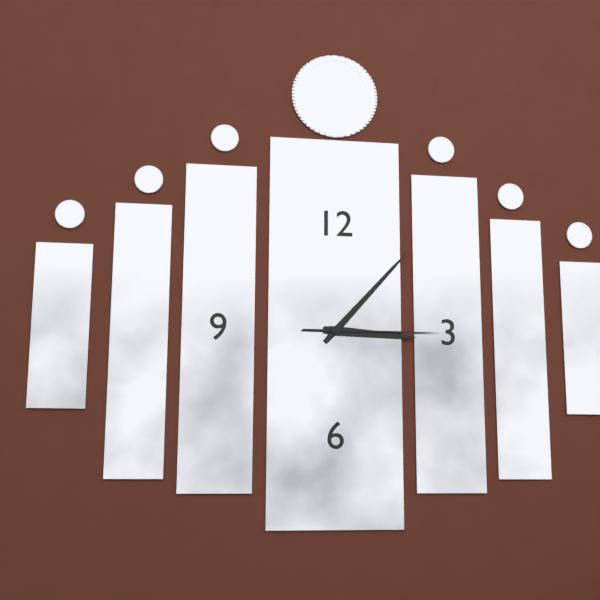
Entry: h=3 m=7 s=15
